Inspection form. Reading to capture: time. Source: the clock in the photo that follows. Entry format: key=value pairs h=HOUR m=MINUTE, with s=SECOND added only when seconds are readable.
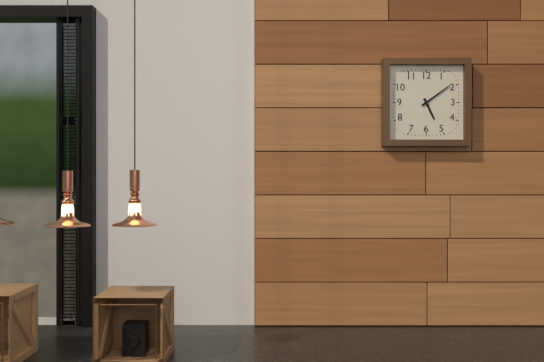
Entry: h=5 m=9
